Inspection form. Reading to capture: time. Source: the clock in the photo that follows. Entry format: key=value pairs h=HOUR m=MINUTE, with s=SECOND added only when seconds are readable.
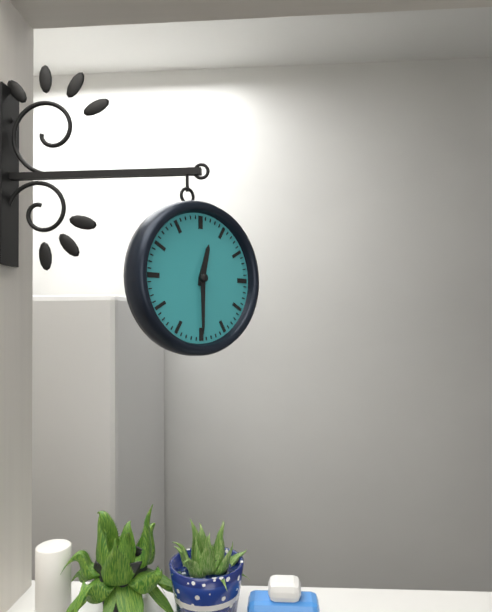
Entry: h=12 m=30
